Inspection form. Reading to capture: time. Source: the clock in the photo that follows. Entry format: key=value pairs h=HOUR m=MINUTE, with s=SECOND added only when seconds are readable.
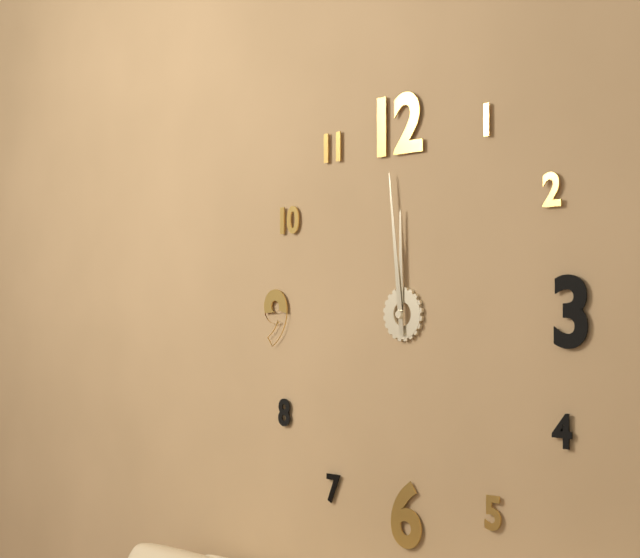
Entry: h=11 m=59
